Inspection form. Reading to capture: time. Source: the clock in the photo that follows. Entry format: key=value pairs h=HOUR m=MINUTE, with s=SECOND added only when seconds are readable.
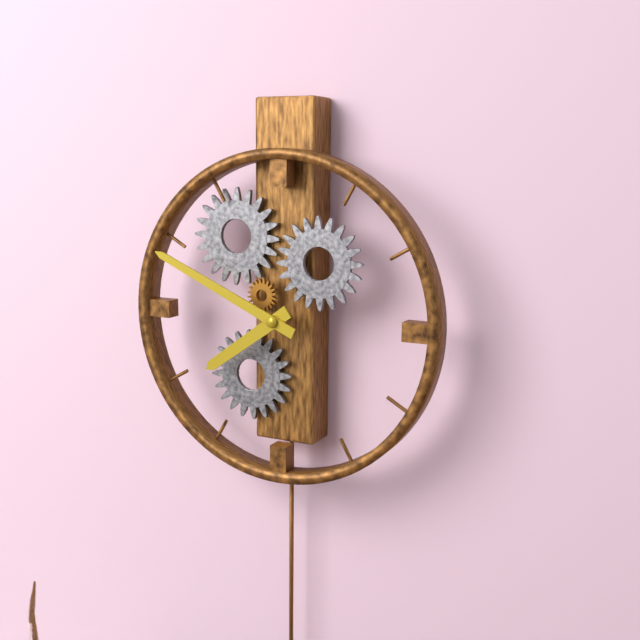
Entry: h=7 m=49
